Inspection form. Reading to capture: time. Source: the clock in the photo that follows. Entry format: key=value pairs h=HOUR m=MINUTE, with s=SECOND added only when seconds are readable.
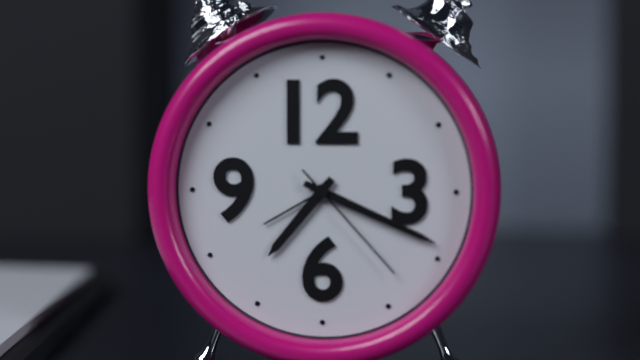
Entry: h=7 m=19 s=23
